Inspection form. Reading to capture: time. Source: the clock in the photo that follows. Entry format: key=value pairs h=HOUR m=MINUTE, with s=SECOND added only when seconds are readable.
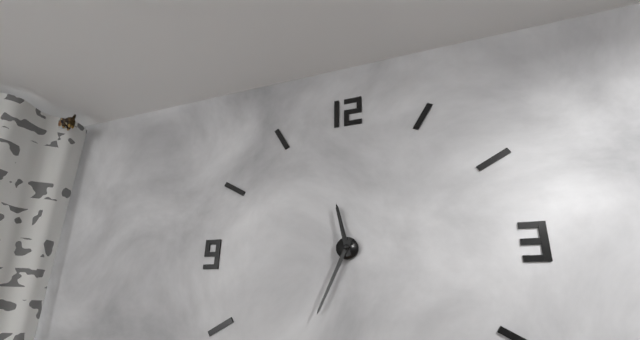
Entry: h=11 m=34
